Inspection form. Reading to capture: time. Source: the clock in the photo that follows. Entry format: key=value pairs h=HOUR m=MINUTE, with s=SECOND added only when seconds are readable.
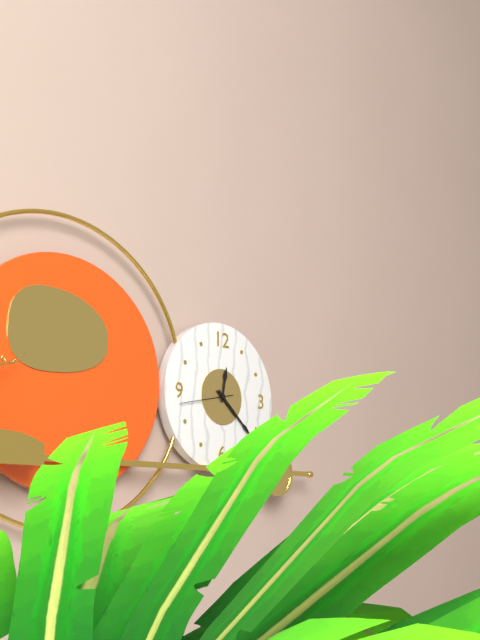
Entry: h=12 m=22 s=43
